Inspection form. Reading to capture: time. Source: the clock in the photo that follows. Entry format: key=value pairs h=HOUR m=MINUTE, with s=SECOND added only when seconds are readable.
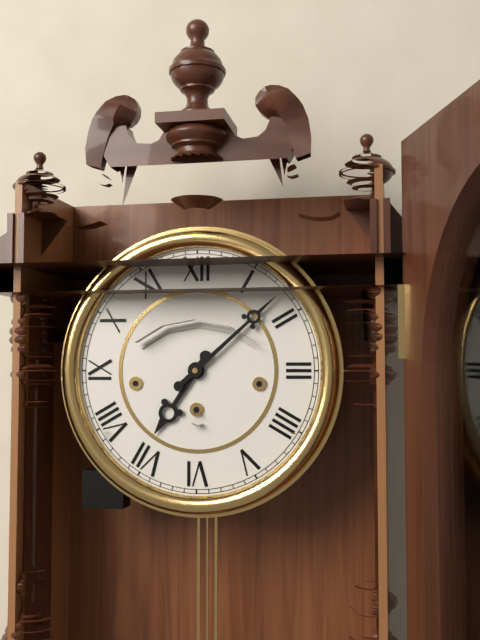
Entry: h=7 m=8
